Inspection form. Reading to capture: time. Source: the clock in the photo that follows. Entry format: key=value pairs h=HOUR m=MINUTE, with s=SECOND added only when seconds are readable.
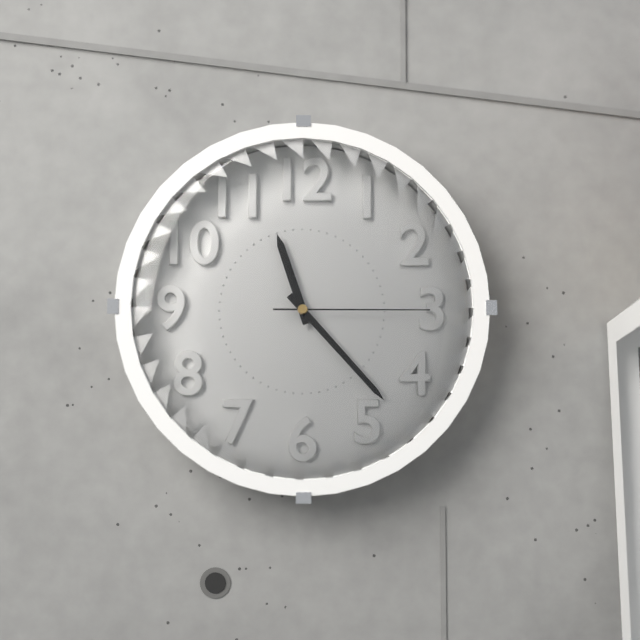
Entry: h=11 m=23 s=15
